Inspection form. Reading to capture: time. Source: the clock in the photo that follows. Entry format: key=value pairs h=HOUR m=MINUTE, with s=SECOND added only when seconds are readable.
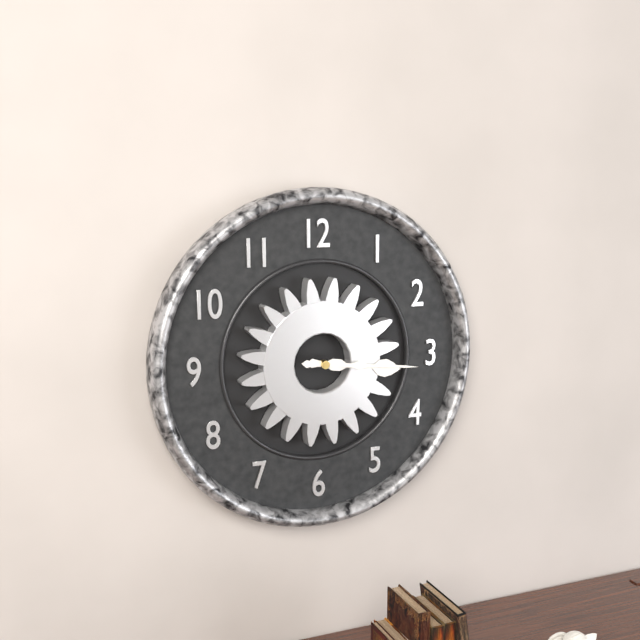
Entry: h=3 m=16
